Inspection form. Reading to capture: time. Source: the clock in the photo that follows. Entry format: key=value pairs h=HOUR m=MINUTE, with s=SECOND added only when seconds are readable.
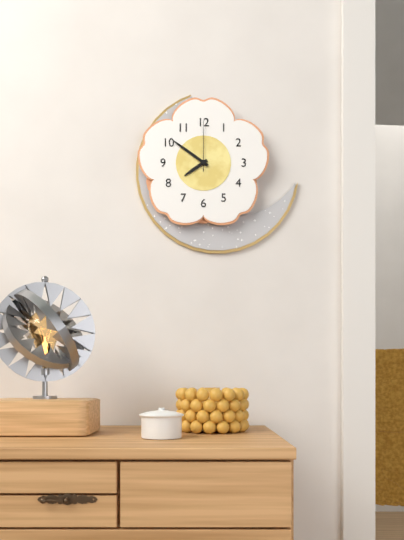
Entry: h=7 m=51 s=0
